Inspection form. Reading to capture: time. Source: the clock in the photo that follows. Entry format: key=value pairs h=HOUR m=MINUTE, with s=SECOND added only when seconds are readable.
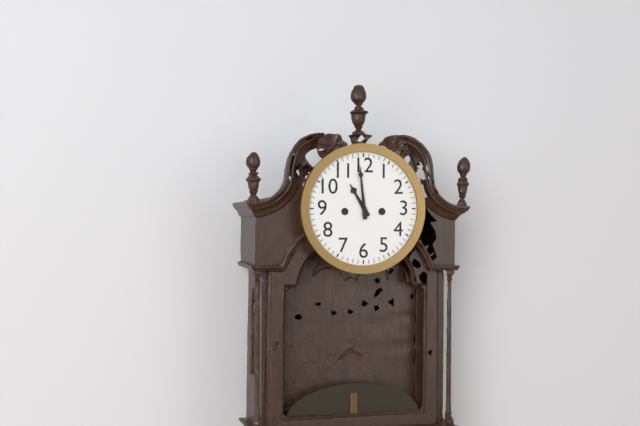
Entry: h=10 m=59
